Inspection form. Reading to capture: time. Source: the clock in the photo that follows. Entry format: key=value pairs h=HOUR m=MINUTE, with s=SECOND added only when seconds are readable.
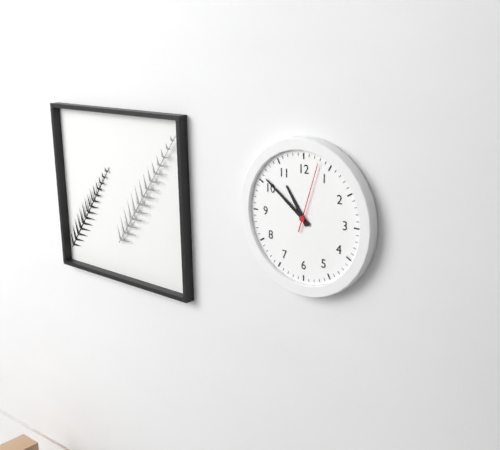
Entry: h=10 m=51 s=3
